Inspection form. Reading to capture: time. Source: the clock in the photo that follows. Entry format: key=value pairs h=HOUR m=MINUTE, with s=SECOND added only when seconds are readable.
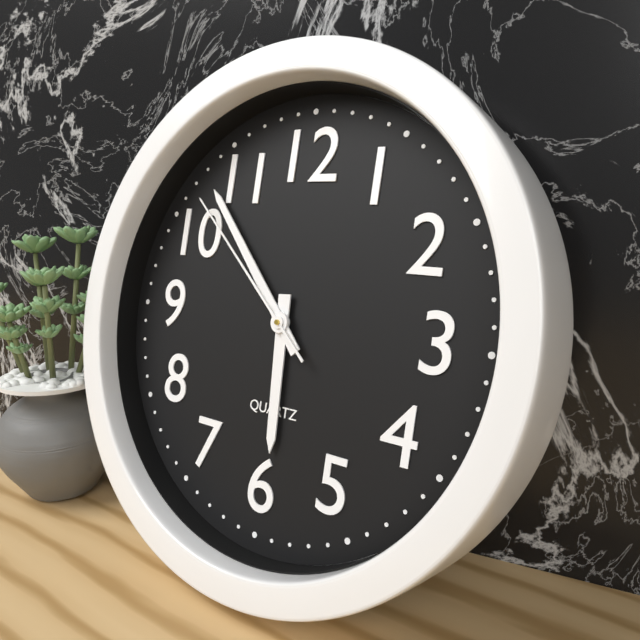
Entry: h=5 m=53 s=52
